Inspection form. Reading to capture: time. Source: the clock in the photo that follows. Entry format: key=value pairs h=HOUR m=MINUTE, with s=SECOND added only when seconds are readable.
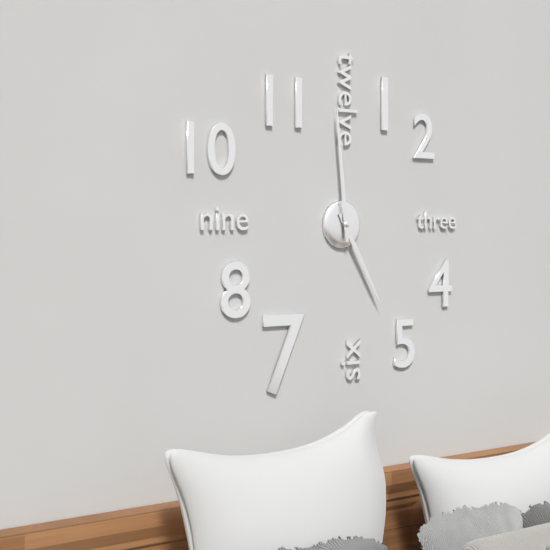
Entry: h=4 m=59
